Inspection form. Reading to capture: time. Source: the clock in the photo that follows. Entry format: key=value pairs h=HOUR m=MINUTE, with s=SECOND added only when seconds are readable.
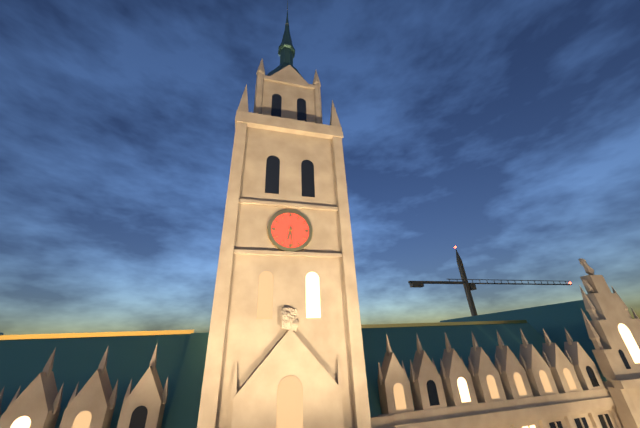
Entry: h=6 m=29
